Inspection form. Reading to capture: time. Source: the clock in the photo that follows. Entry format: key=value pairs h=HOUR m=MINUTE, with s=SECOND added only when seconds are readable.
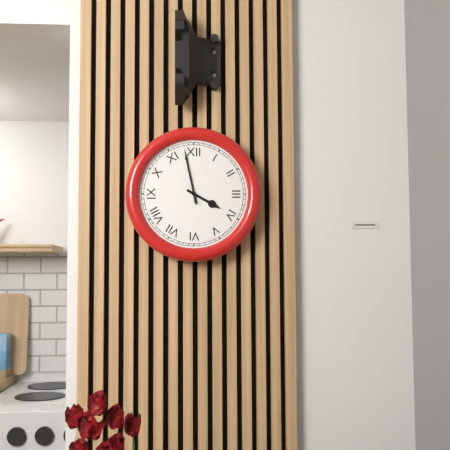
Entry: h=3 m=58
